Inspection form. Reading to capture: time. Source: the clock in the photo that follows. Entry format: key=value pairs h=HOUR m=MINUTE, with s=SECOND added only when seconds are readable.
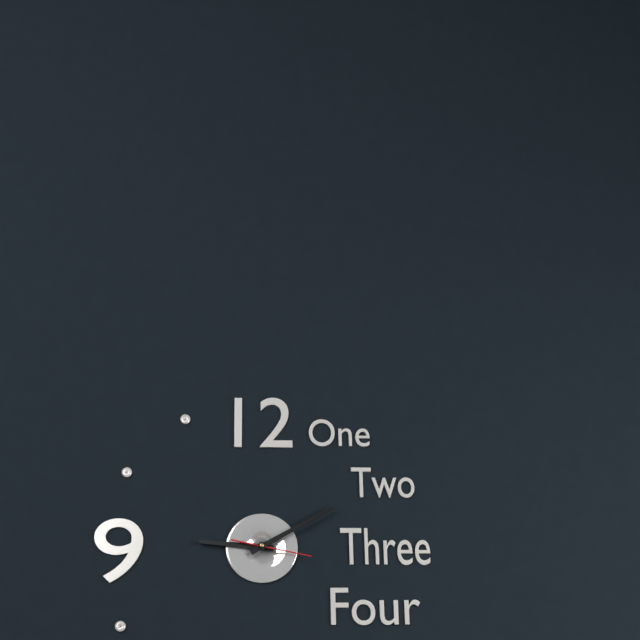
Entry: h=9 m=10 s=17
